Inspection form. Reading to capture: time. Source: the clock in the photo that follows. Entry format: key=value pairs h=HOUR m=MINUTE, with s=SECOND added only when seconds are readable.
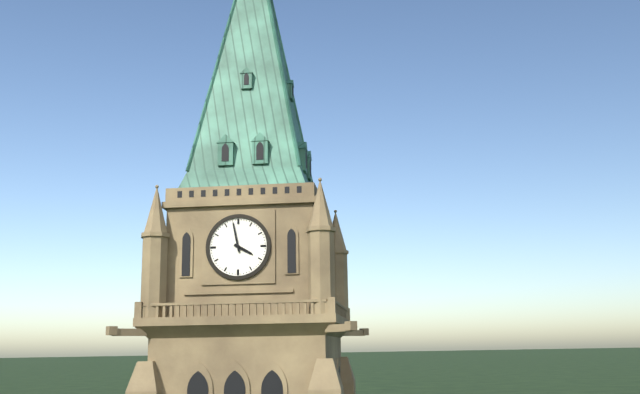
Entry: h=3 m=58
